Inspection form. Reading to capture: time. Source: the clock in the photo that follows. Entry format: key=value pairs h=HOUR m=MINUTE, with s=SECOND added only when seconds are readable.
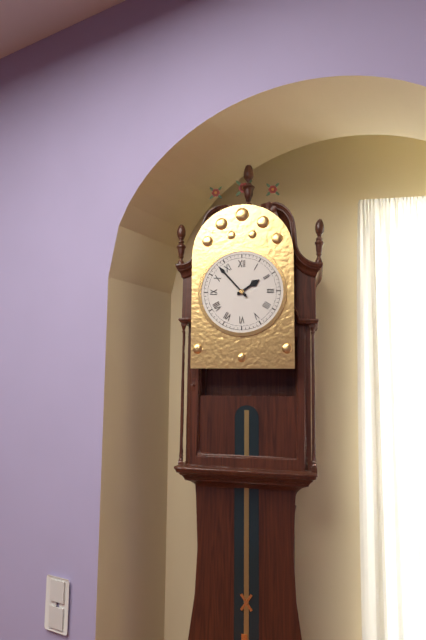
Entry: h=1 m=53
